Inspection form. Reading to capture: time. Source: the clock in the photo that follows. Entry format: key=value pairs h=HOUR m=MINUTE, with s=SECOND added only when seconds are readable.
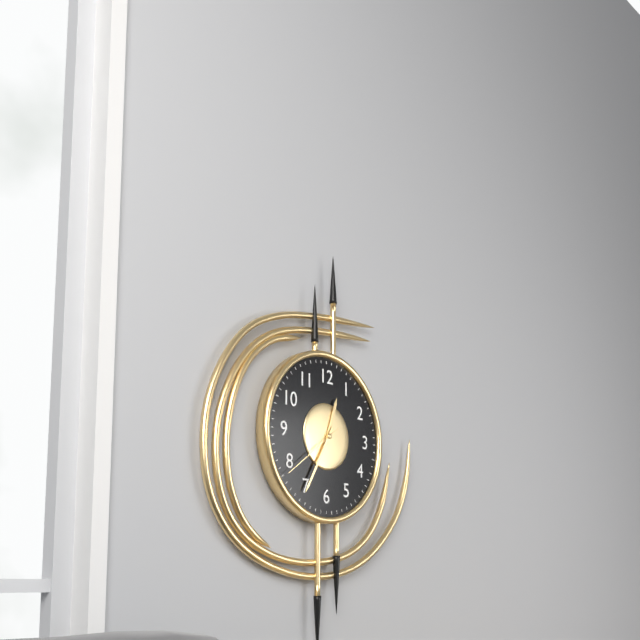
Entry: h=12 m=35 s=39
